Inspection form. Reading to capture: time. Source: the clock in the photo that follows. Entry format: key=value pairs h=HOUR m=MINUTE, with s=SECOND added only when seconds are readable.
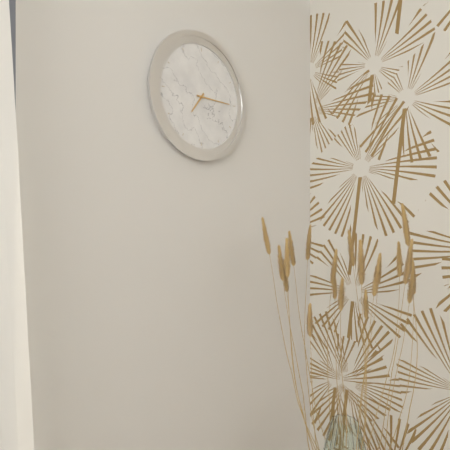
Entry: h=7 m=15
